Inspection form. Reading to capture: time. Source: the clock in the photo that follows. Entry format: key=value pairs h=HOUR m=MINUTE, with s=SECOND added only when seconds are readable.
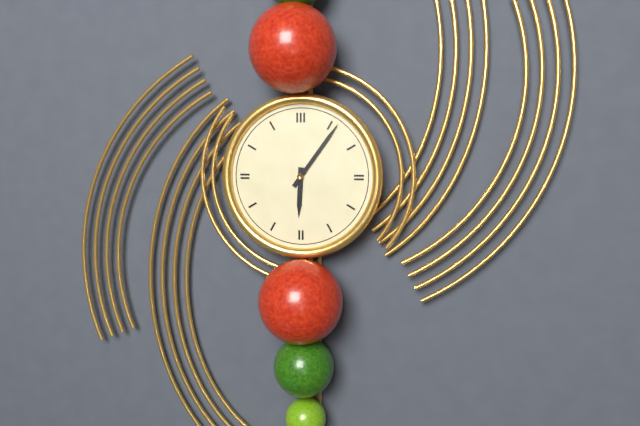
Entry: h=6 m=6
